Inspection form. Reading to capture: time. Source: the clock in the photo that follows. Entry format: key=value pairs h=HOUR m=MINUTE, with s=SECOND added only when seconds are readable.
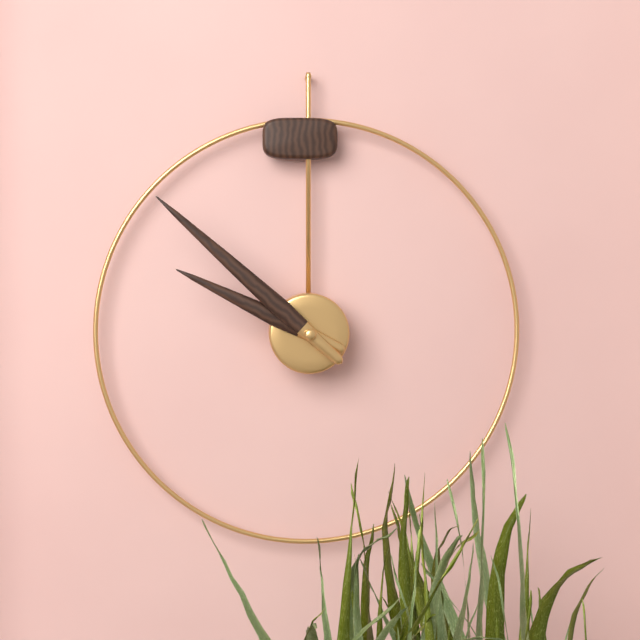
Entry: h=9 m=52
